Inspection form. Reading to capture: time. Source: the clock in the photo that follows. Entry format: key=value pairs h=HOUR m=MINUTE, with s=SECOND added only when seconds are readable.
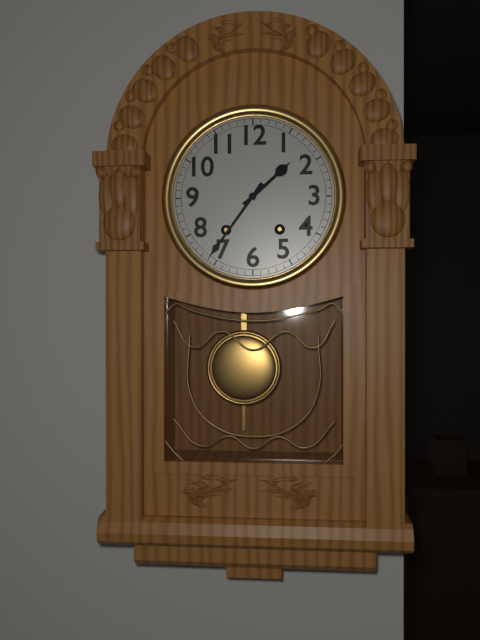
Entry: h=1 m=36
